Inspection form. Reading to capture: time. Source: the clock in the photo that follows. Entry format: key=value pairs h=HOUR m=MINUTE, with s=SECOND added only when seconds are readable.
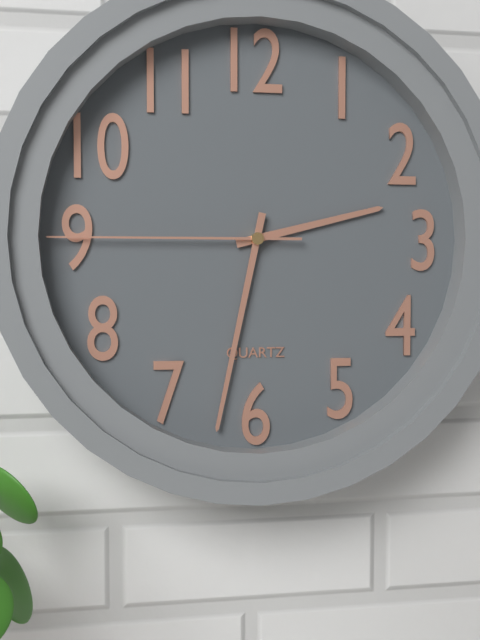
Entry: h=2 m=32 s=45
